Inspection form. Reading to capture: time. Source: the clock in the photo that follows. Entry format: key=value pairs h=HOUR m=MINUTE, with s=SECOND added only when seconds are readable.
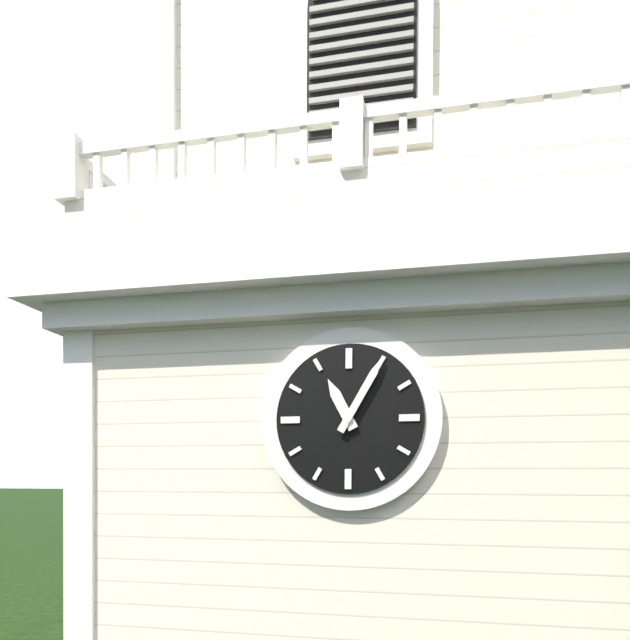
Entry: h=11 m=5
